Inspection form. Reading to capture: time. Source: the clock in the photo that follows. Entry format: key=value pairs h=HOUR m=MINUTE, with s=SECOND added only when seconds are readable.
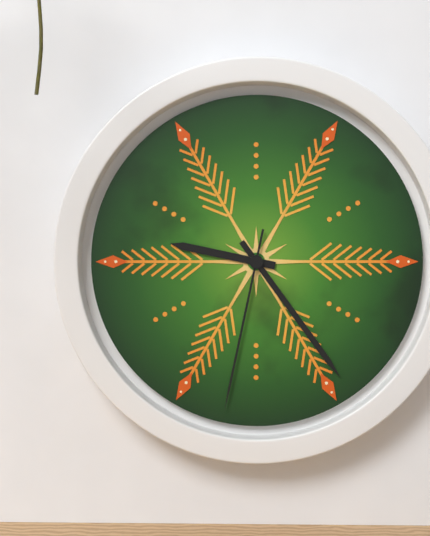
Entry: h=9 m=24 s=32
